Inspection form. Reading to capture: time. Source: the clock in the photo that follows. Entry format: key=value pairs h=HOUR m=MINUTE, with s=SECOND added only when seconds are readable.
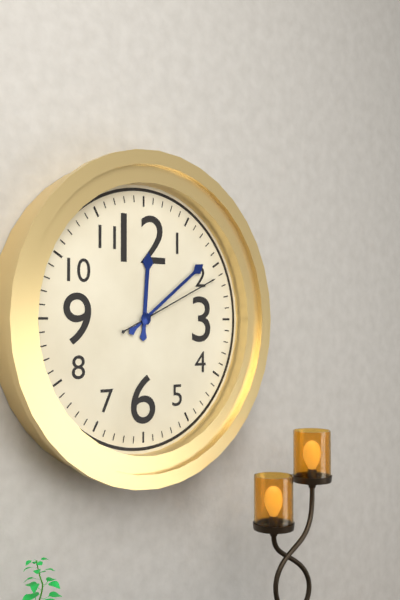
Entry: h=12 m=9 s=11
